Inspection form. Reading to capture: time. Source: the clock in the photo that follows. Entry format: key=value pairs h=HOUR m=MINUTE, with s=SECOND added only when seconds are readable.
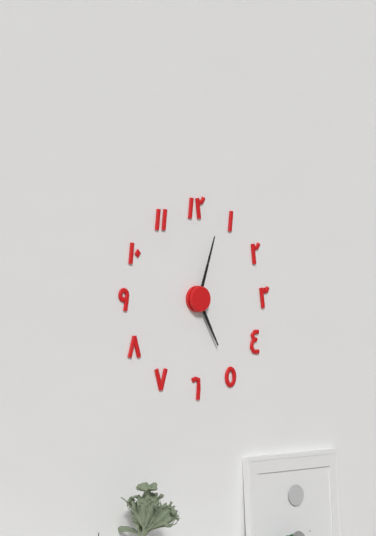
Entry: h=5 m=3
